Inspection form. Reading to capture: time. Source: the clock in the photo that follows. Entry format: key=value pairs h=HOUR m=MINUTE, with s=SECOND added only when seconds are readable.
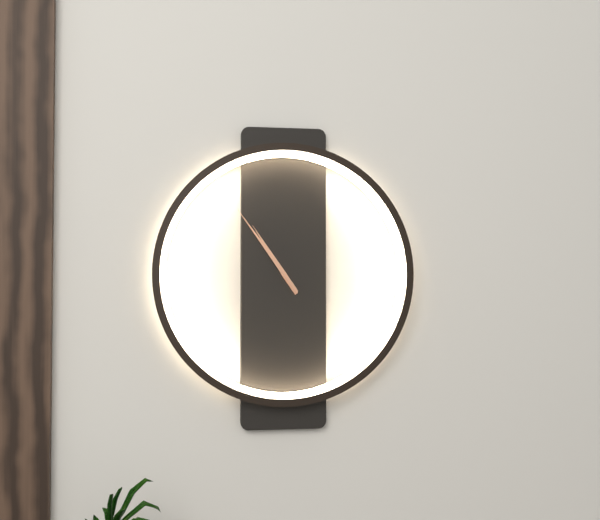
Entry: h=10 m=54
